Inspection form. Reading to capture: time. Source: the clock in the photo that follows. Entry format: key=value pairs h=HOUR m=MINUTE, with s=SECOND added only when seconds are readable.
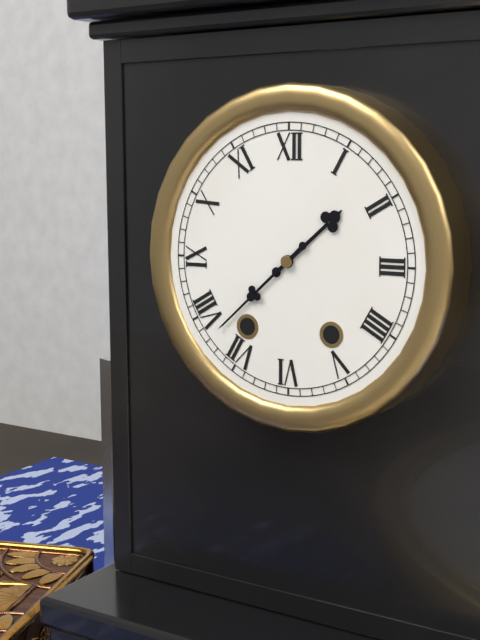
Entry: h=1 m=38
